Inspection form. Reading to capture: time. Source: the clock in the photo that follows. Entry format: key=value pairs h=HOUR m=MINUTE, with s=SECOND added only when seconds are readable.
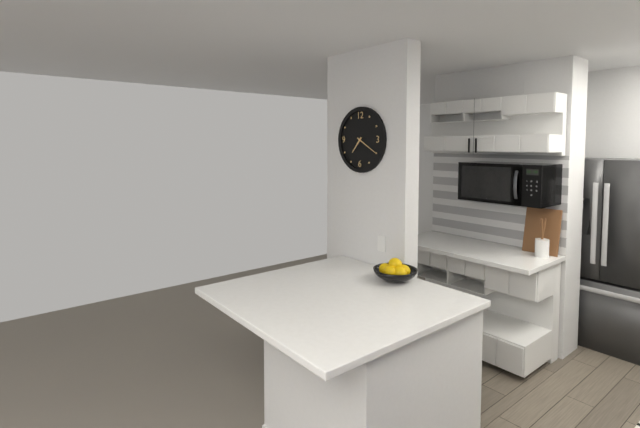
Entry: h=7 m=20
